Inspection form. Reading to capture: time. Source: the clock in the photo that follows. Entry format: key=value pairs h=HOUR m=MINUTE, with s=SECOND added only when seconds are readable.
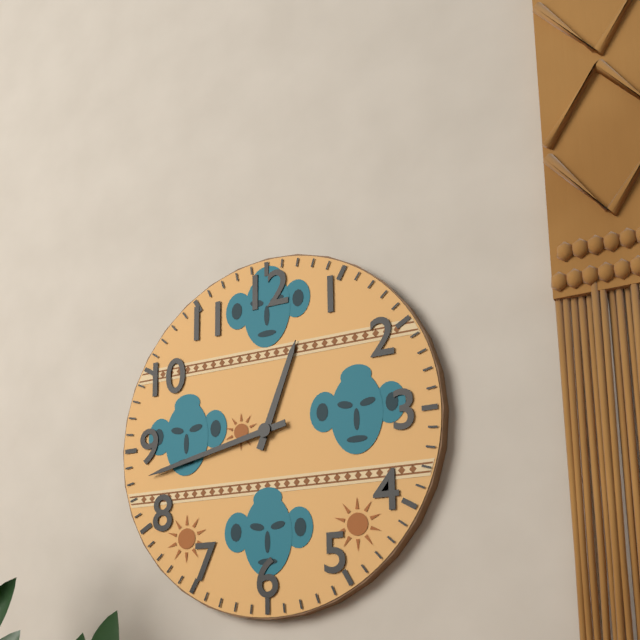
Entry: h=12 m=43
